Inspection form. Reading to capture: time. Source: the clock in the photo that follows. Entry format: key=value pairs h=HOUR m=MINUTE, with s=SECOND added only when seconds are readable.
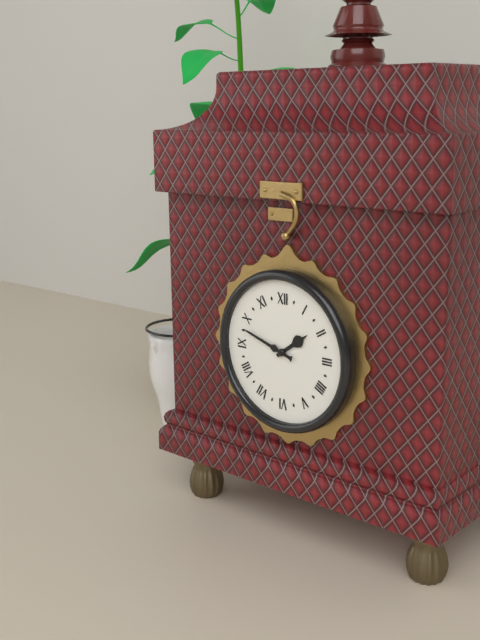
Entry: h=1 m=48
